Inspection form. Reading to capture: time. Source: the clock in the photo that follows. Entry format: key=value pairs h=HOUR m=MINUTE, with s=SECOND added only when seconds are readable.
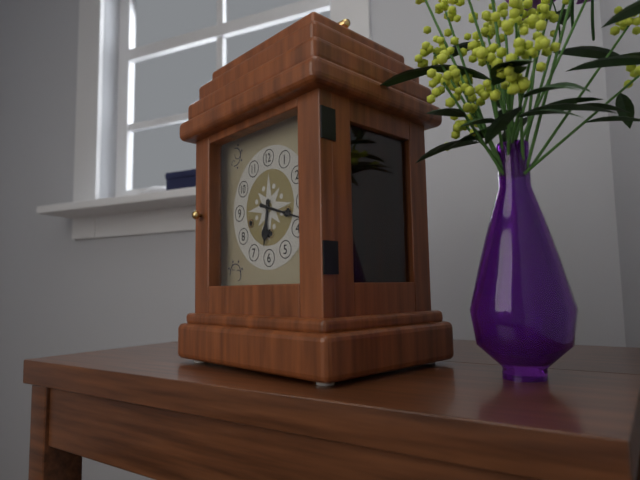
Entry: h=6 m=18
